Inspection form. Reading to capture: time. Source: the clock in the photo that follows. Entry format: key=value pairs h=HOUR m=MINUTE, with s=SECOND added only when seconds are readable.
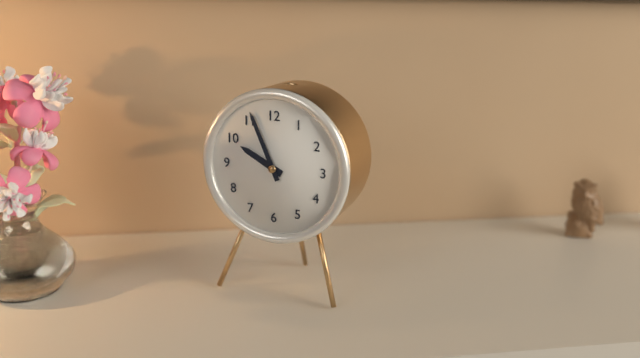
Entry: h=9 m=56
